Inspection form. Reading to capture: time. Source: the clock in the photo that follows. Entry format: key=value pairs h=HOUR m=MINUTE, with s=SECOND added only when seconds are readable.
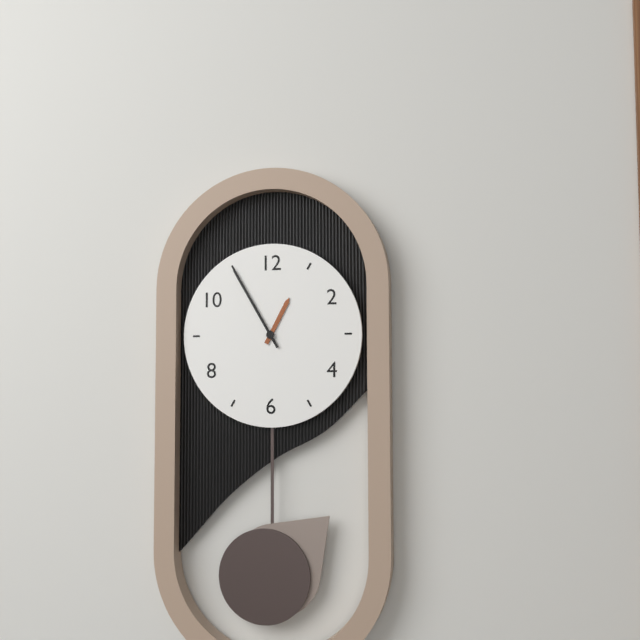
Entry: h=12 m=55
